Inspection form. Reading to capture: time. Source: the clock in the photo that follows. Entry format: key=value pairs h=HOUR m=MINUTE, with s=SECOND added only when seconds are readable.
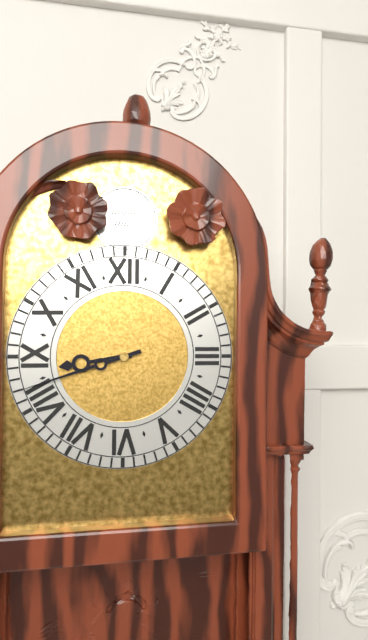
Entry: h=8 m=42
